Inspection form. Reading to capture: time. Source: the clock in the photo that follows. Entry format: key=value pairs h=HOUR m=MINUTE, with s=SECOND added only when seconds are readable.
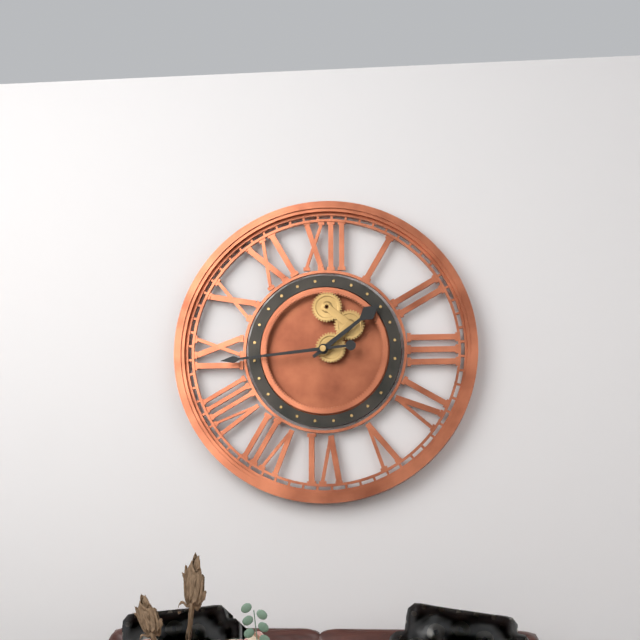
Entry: h=1 m=44
